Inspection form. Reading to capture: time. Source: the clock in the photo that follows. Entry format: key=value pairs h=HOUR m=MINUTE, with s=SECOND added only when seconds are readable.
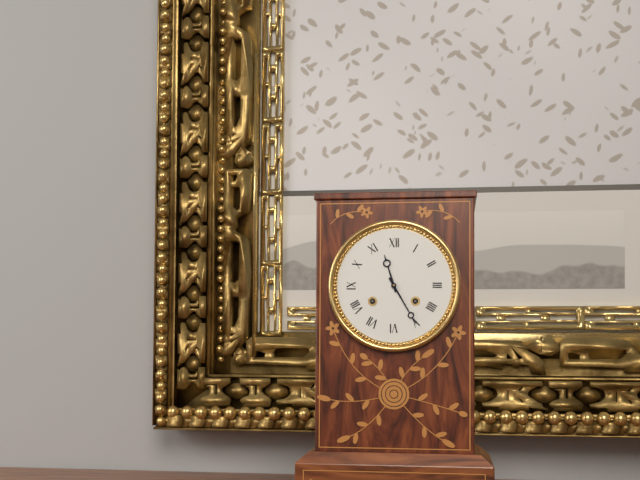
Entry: h=11 m=25
